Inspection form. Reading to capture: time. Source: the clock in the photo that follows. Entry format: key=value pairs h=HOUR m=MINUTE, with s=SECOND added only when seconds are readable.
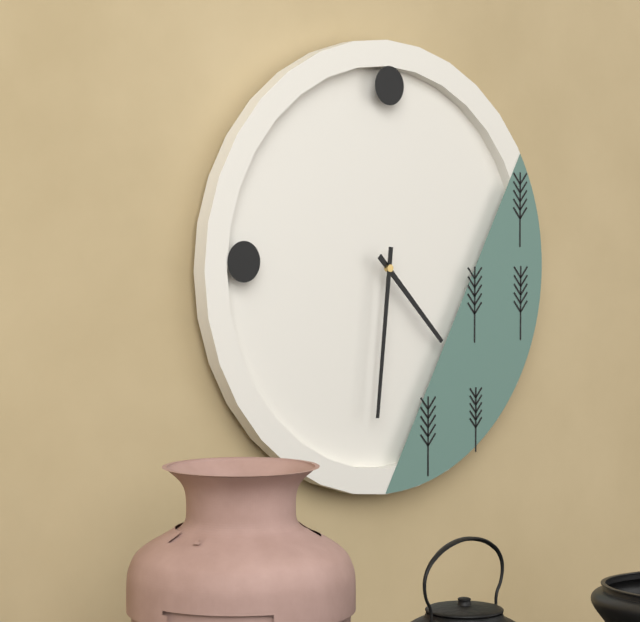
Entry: h=4 m=31
